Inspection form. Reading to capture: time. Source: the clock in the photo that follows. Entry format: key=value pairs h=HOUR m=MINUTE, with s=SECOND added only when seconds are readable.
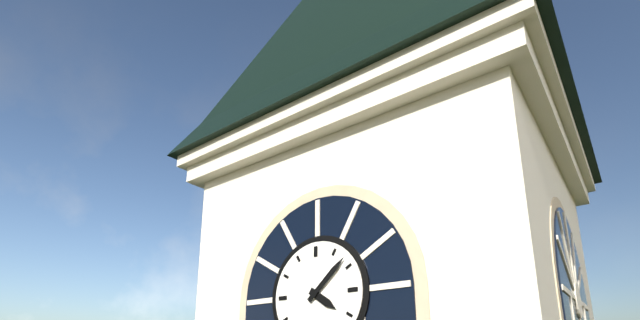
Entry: h=4 m=8
